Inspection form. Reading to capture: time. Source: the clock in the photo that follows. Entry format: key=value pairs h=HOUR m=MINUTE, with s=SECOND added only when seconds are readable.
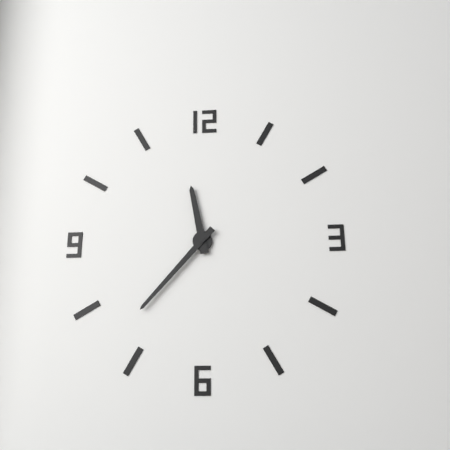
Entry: h=11 m=37
